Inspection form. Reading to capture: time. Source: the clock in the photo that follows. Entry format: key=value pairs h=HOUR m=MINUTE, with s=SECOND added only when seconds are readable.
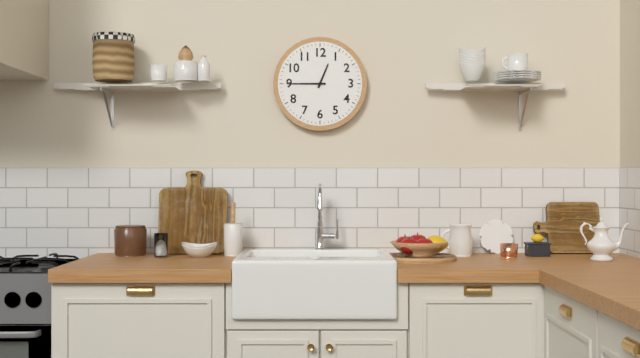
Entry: h=12 m=45
